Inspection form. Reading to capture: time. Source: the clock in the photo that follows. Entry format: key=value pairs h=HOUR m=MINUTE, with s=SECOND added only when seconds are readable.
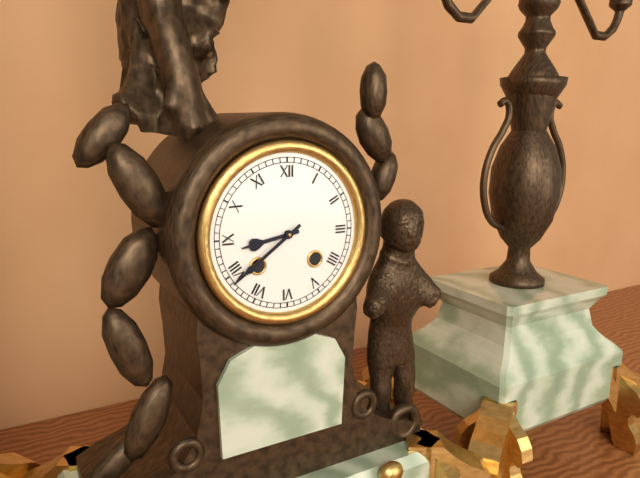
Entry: h=8 m=39
